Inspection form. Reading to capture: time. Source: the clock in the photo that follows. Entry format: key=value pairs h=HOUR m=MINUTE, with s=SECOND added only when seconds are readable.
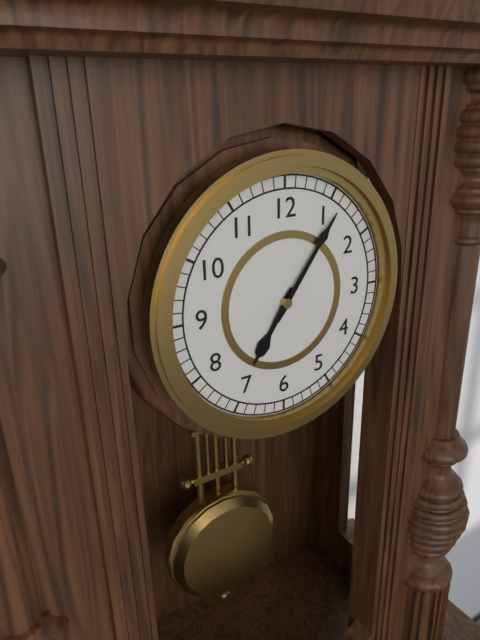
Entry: h=7 m=6
